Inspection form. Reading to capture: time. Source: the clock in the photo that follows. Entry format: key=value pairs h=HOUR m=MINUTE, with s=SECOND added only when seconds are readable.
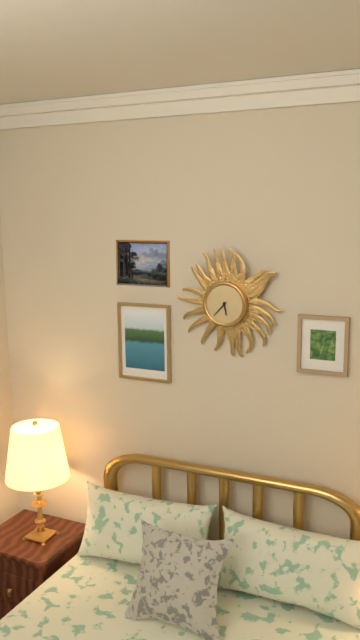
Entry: h=5 m=37
